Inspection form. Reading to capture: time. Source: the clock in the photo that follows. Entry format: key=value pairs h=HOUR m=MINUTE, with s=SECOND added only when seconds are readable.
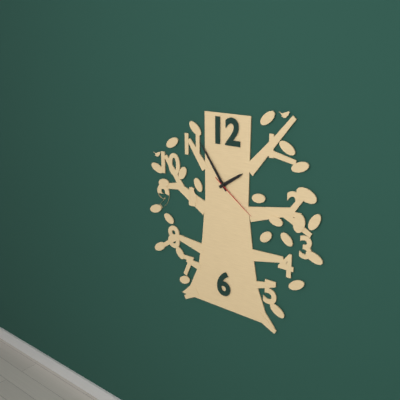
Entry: h=1 m=54 s=21
